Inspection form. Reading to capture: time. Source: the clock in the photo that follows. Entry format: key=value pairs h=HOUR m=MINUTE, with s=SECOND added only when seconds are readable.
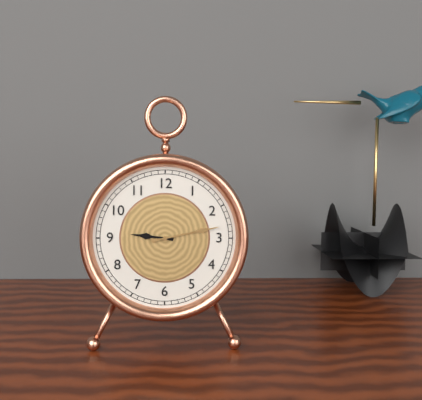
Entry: h=9 m=13
